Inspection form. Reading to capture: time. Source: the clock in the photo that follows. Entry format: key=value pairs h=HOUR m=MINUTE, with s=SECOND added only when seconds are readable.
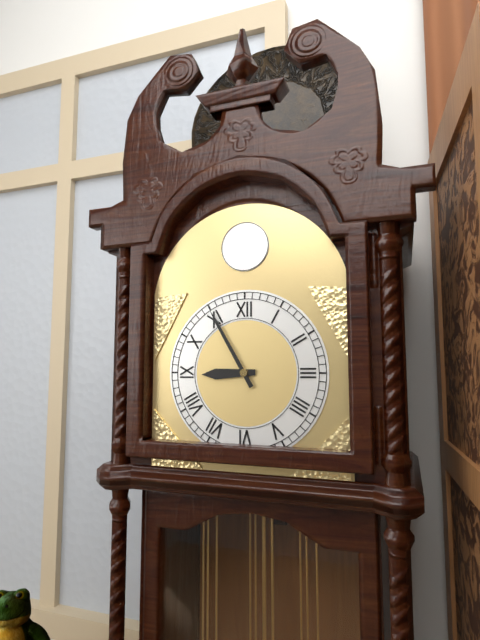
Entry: h=8 m=55
